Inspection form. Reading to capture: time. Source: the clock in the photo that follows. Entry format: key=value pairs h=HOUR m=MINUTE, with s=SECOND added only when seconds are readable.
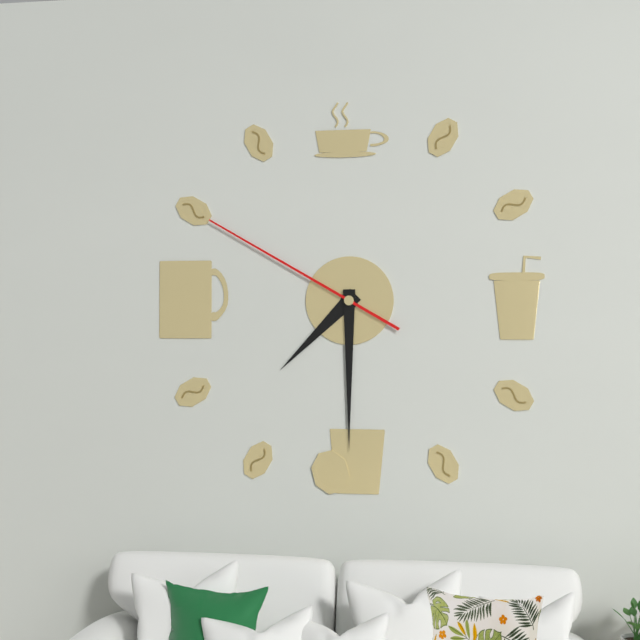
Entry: h=7 m=30 s=50
